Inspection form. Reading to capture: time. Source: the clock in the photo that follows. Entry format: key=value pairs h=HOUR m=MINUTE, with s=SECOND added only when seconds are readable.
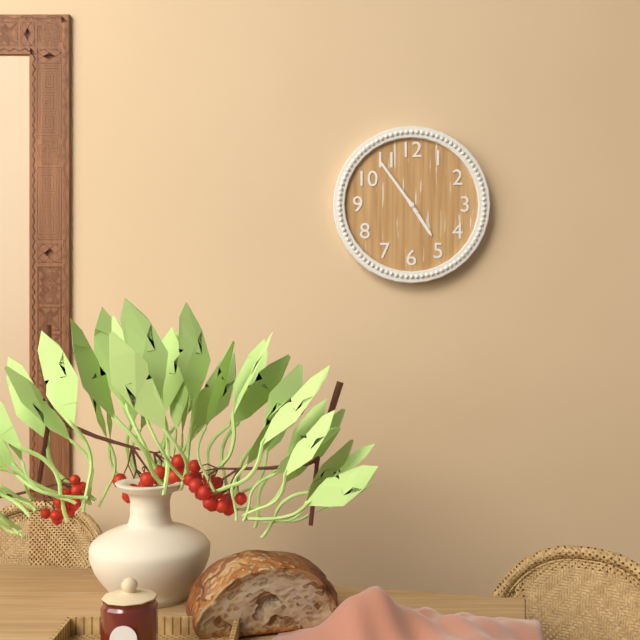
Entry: h=4 m=54
